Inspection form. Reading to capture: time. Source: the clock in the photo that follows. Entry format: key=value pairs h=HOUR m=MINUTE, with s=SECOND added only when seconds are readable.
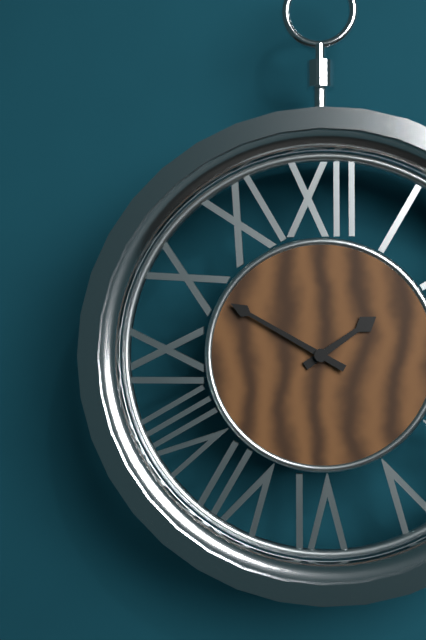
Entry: h=1 m=50
